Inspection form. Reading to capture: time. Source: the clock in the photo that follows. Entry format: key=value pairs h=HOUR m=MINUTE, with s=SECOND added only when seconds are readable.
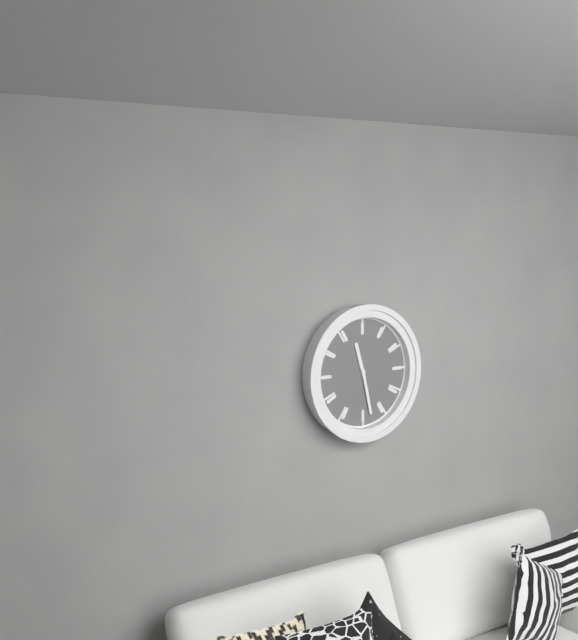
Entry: h=11 m=28
